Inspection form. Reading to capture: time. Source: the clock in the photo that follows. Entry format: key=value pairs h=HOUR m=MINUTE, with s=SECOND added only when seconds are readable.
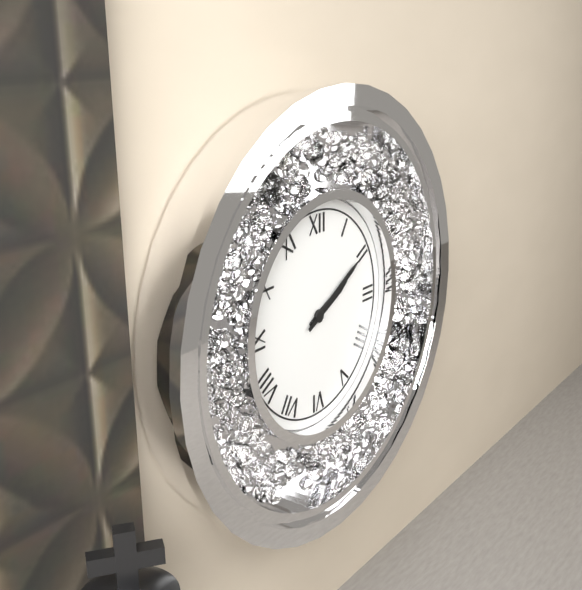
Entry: h=2 m=10
